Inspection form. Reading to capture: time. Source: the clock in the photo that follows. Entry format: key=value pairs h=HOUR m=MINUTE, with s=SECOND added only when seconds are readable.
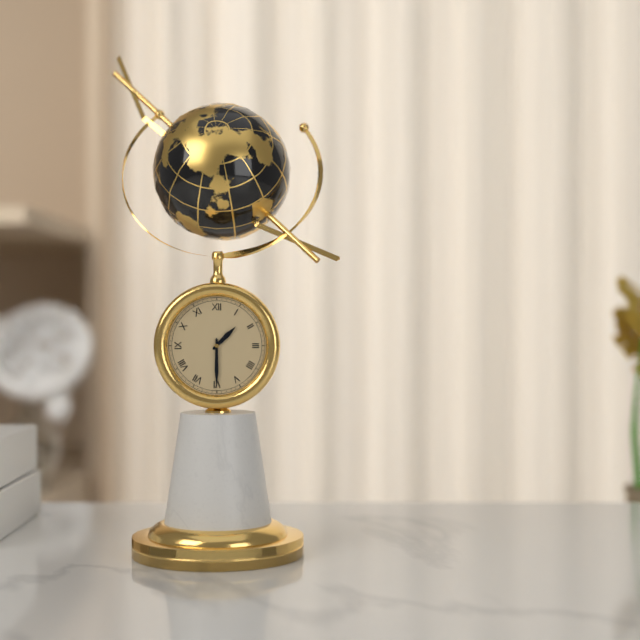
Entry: h=1 m=30
